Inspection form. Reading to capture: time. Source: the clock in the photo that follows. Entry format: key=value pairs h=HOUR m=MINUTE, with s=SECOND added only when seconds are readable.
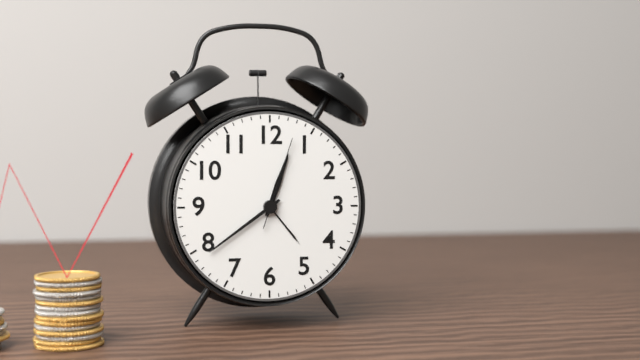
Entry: h=12 m=39 s=3
